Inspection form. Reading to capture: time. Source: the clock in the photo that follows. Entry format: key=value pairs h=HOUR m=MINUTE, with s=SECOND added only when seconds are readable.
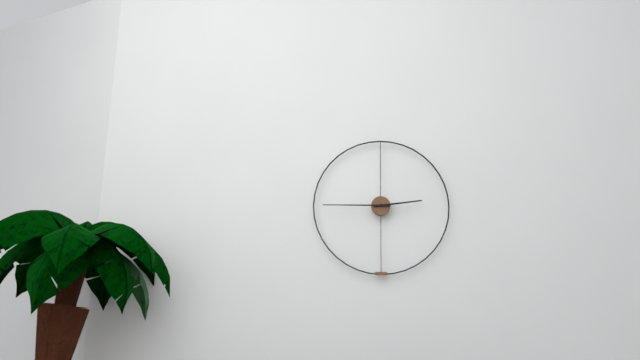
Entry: h=2 m=45
